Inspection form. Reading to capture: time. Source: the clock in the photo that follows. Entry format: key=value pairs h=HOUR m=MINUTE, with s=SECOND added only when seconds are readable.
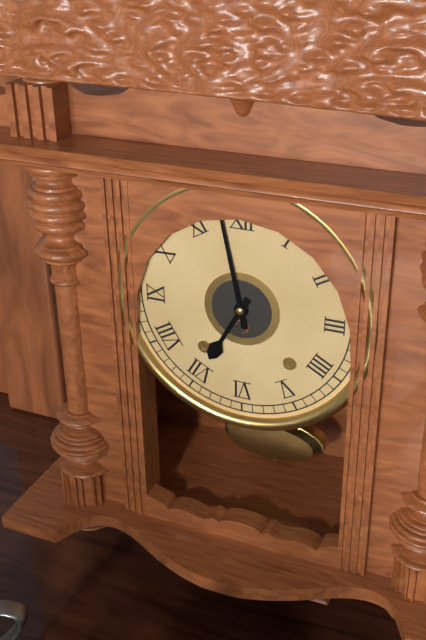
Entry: h=6 m=58
